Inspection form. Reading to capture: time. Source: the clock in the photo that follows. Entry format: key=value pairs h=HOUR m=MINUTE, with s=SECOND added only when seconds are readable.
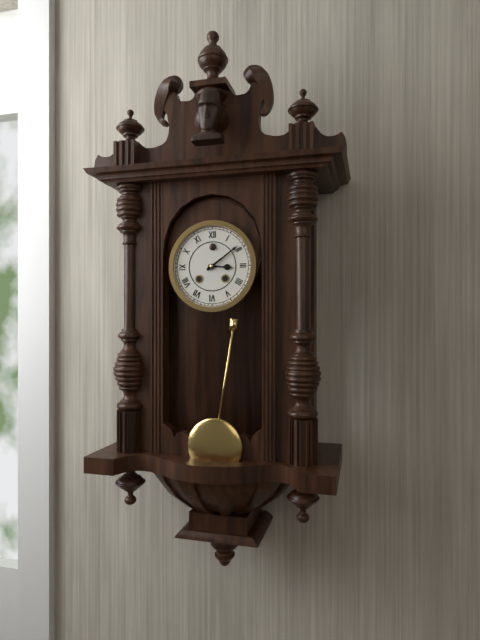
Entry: h=3 m=9
